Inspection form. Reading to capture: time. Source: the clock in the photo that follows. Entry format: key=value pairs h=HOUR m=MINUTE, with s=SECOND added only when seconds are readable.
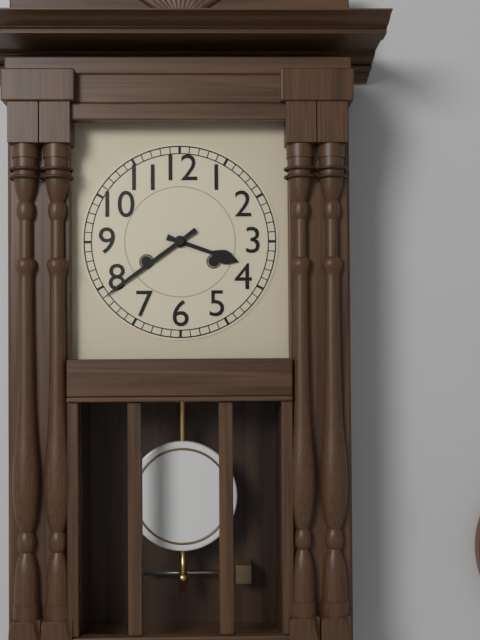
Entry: h=3 m=39
